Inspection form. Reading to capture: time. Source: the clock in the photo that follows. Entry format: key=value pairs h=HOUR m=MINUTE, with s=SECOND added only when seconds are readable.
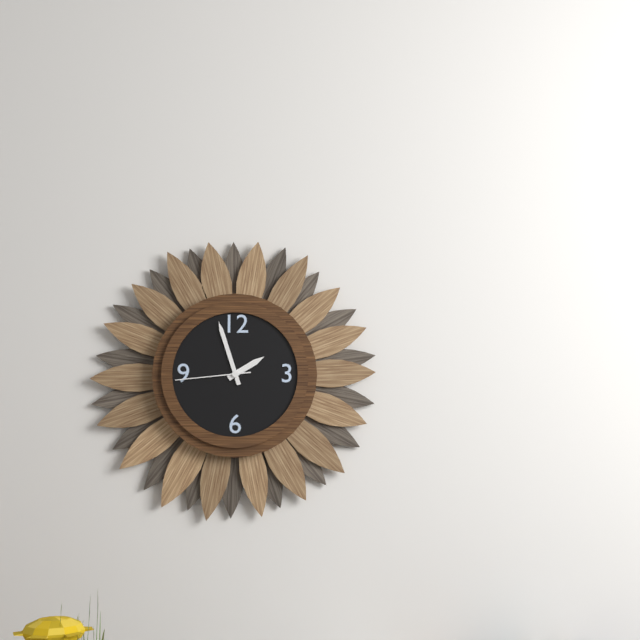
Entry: h=1 m=57 s=44
